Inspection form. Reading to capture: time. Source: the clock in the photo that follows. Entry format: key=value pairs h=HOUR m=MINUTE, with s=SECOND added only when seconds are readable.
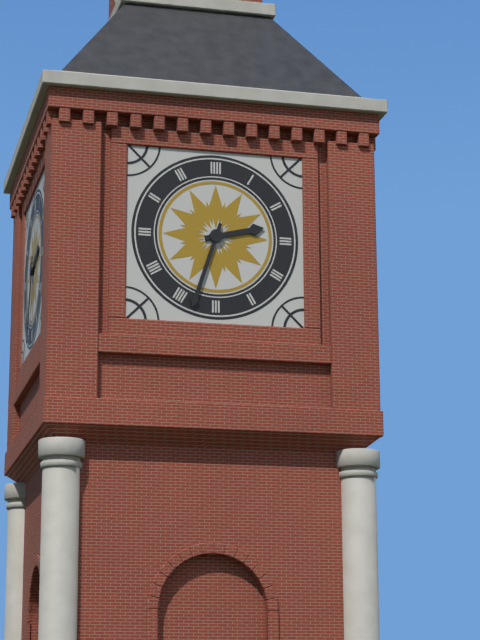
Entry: h=2 m=33
